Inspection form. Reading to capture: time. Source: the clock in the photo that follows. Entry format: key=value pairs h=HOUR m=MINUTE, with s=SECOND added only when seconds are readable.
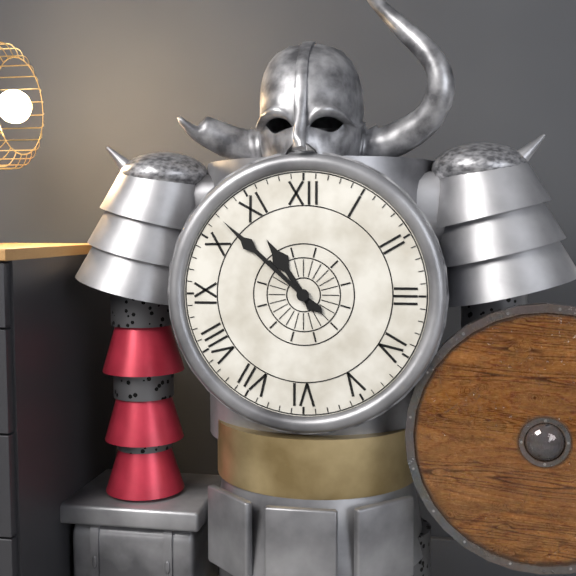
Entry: h=10 m=52
